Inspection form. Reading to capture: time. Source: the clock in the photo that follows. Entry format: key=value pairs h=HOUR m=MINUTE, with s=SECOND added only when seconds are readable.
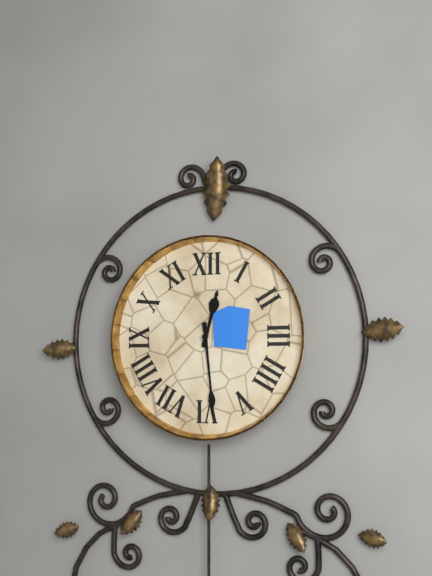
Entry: h=12 m=29
